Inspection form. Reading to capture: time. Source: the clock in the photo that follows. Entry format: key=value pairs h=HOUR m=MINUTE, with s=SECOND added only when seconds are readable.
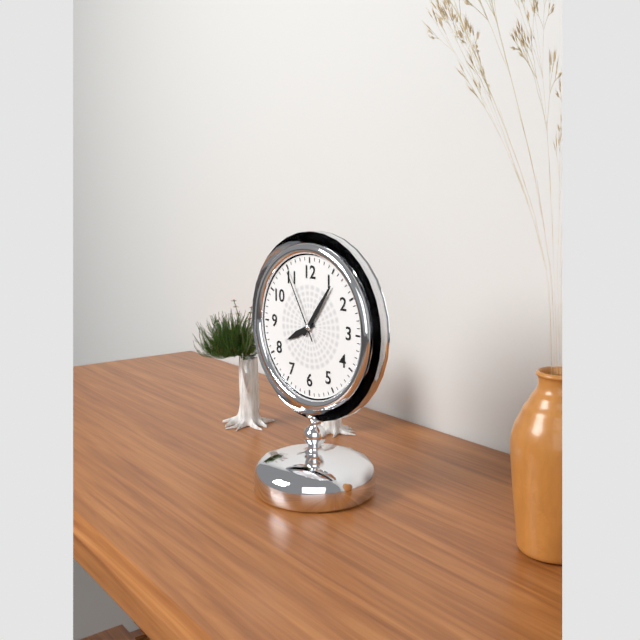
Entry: h=8 m=6 s=55
